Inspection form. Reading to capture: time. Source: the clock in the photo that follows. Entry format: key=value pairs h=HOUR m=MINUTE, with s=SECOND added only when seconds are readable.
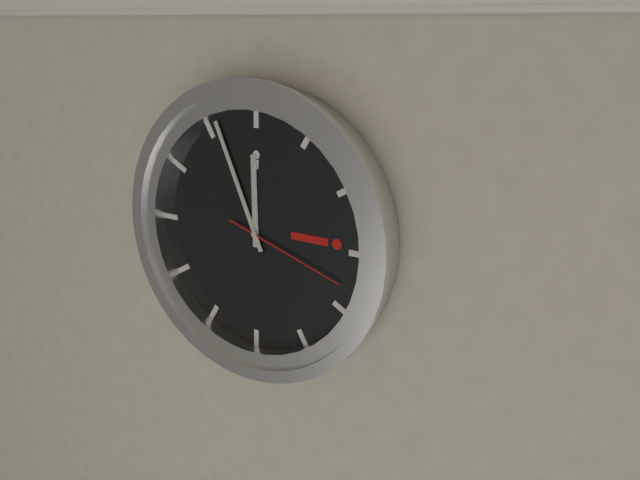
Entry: h=11 m=56 s=18
